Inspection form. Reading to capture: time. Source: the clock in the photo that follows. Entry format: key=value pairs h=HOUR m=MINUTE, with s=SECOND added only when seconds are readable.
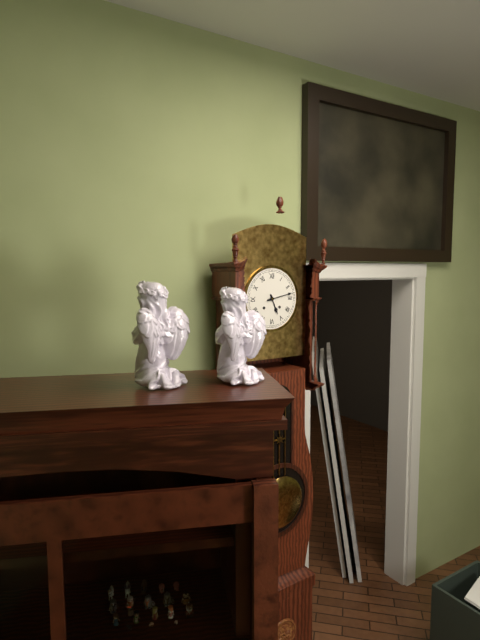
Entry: h=5 m=13
